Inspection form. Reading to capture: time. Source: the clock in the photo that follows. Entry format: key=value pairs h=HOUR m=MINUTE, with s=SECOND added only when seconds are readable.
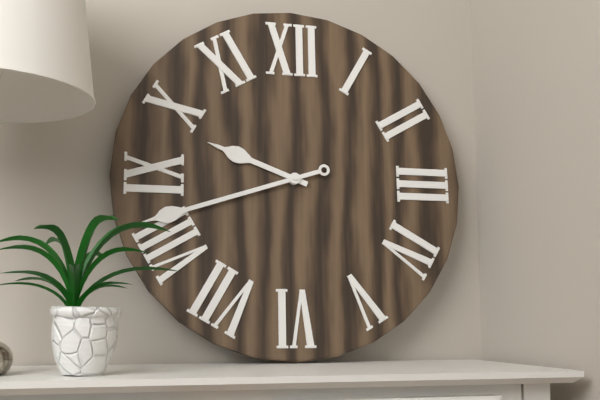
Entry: h=9 m=42
